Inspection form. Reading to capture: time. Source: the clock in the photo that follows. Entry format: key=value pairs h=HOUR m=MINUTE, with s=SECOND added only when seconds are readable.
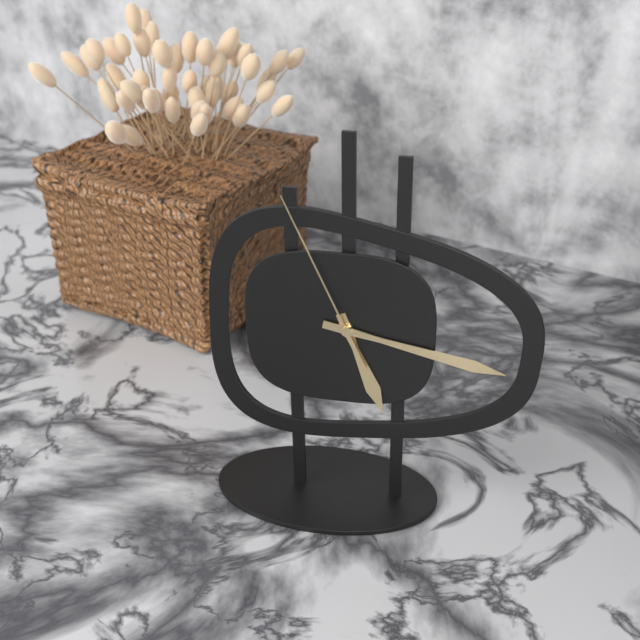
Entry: h=5 m=17 s=56
